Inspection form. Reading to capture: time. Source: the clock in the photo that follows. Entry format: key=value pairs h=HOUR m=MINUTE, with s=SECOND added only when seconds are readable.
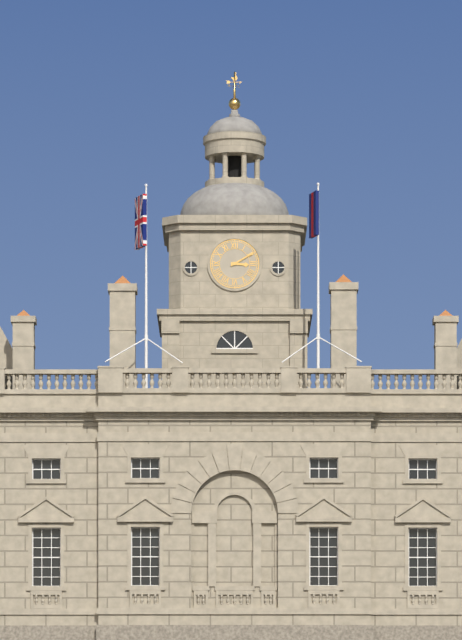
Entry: h=3 m=10
